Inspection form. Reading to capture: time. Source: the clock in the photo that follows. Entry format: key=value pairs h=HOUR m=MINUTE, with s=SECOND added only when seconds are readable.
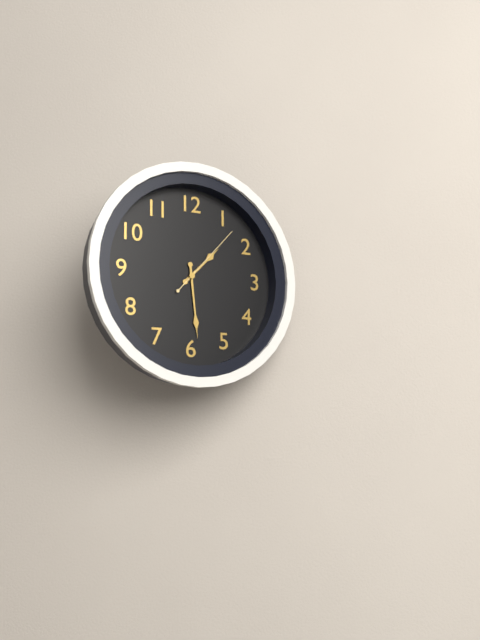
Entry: h=1 m=29 s=7
